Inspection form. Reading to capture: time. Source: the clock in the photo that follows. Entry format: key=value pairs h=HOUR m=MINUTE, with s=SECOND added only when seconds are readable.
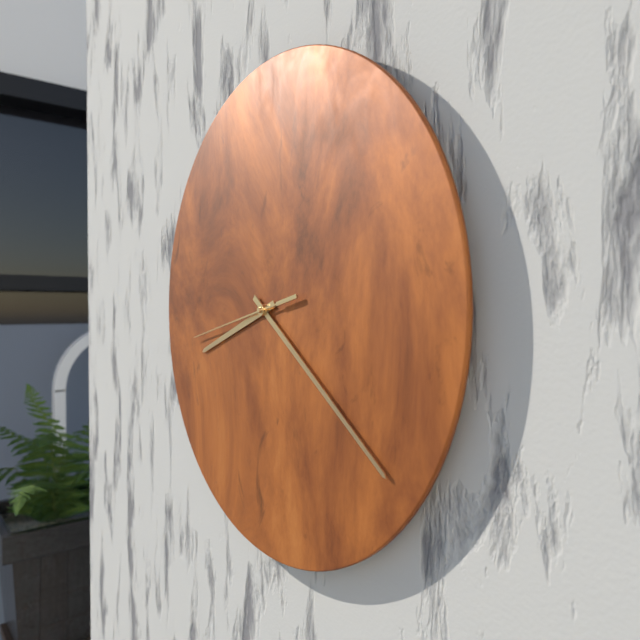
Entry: h=8 m=21 s=43
